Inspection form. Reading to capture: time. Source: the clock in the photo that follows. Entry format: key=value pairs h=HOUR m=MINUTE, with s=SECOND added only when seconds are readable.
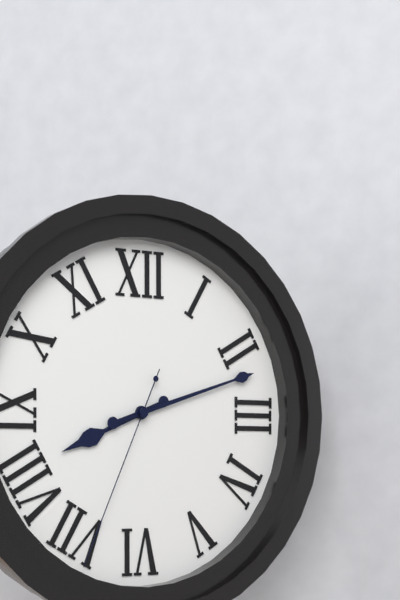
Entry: h=8 m=12 s=34
